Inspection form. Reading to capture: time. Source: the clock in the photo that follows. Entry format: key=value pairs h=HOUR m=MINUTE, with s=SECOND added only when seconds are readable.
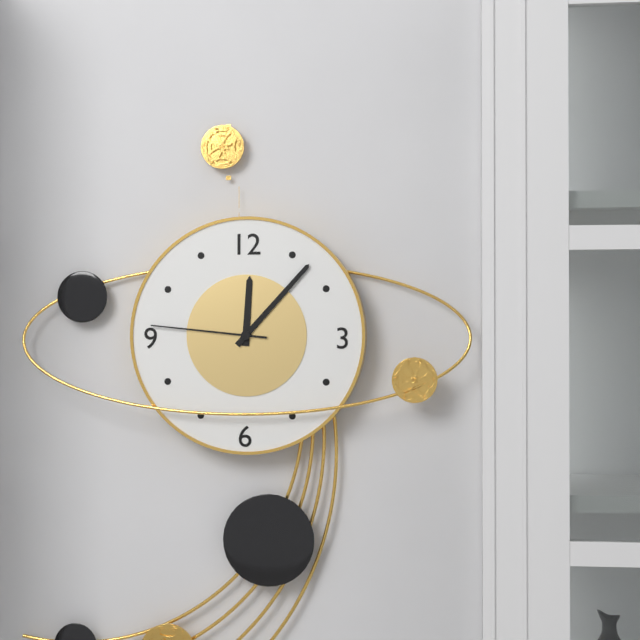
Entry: h=12 m=7 s=46
